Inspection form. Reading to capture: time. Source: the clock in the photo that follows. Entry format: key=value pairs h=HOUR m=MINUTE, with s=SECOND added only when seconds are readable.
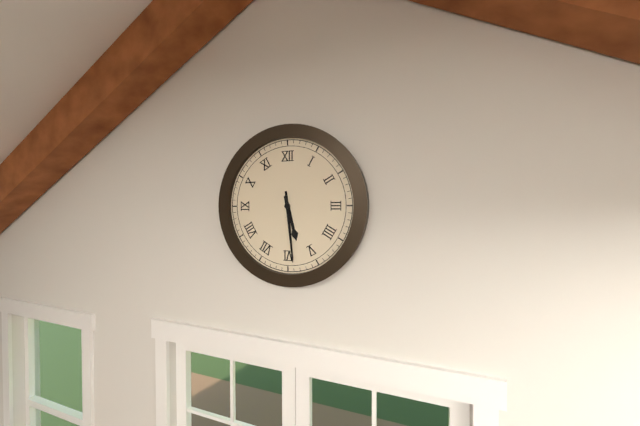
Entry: h=5 m=29
